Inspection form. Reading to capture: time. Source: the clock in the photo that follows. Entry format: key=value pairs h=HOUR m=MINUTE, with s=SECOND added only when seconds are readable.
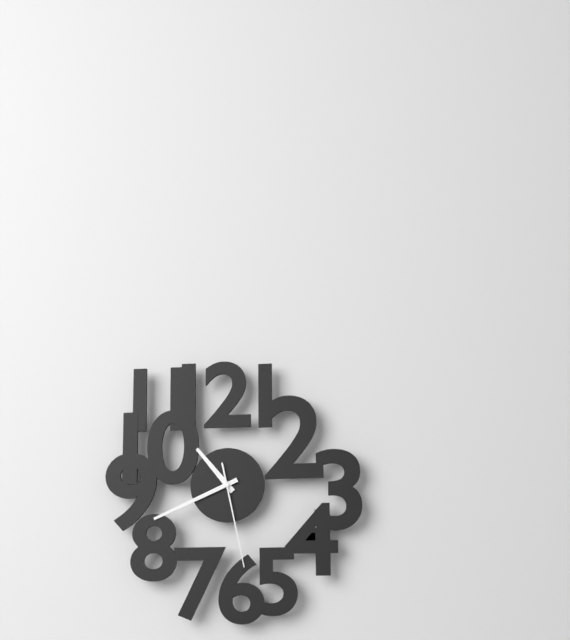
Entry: h=10 m=41 s=28
